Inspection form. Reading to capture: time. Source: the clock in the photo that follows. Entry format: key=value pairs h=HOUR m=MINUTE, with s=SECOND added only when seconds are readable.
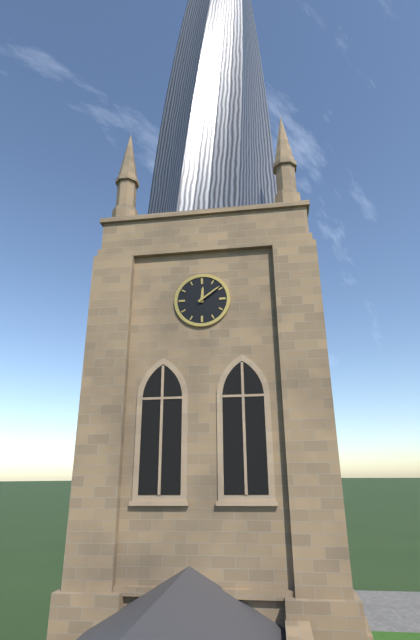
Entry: h=12 m=9
